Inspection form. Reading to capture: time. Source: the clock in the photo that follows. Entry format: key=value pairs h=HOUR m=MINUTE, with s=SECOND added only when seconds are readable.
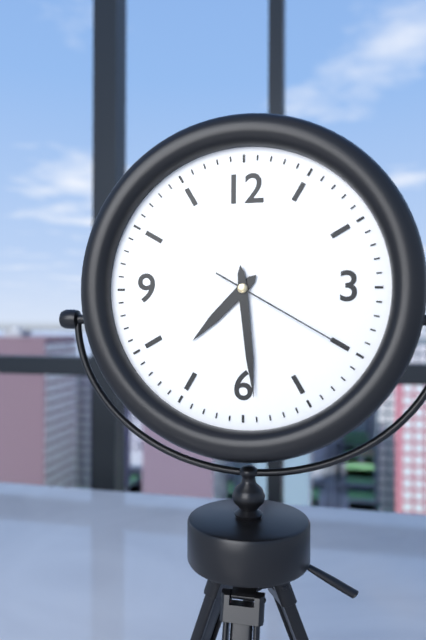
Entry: h=7 m=29 s=20
